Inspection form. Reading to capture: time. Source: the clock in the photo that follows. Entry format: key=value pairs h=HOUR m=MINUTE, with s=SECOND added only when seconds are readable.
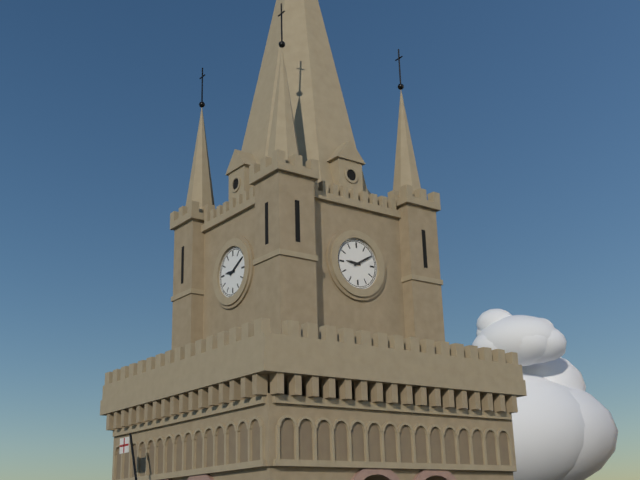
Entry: h=9 m=10
